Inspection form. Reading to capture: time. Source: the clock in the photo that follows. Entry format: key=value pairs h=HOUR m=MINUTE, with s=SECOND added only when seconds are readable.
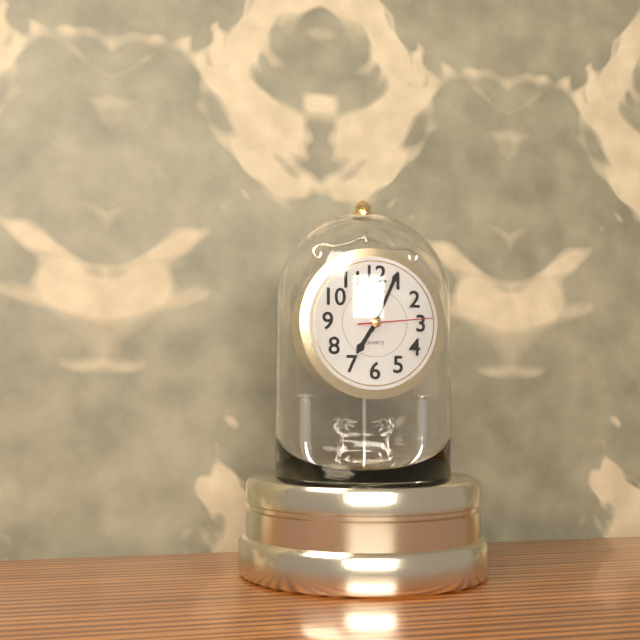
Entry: h=7 m=4 s=14
